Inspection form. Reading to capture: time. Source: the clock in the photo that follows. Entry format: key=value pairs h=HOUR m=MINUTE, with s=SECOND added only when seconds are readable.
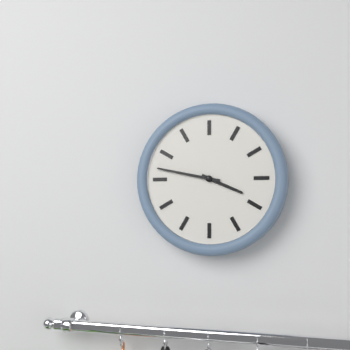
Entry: h=3 m=47
